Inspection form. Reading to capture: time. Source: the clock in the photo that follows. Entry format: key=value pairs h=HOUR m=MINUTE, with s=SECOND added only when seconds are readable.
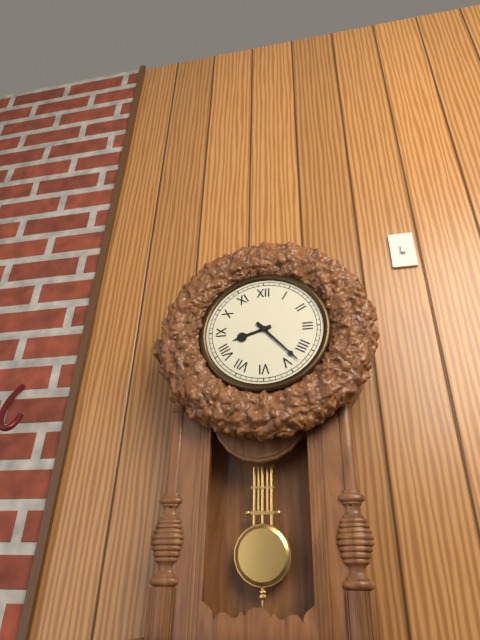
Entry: h=8 m=23
